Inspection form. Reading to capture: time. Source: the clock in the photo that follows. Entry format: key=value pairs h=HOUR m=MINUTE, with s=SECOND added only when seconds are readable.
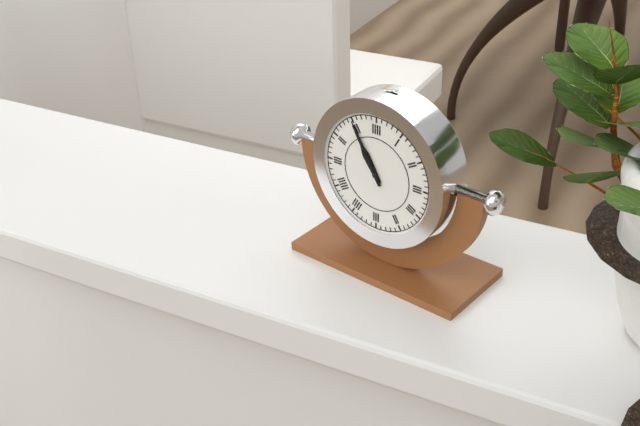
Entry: h=10 m=55
